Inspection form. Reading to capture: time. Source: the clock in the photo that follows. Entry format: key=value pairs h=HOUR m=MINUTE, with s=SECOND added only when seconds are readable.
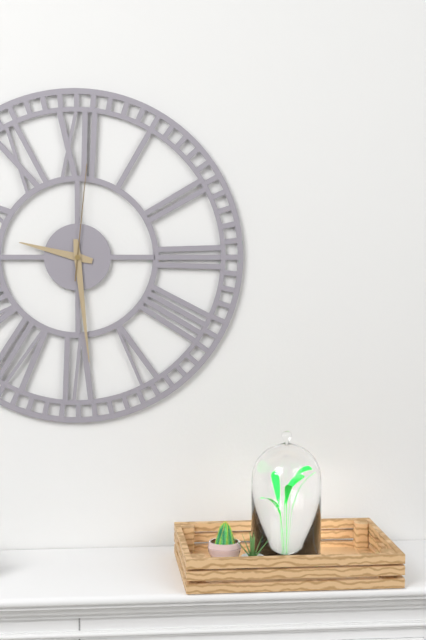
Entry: h=9 m=29 s=1
